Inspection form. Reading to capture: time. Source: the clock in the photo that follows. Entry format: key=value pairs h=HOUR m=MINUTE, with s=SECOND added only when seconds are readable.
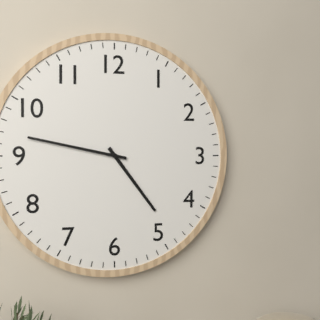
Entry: h=4 m=47
